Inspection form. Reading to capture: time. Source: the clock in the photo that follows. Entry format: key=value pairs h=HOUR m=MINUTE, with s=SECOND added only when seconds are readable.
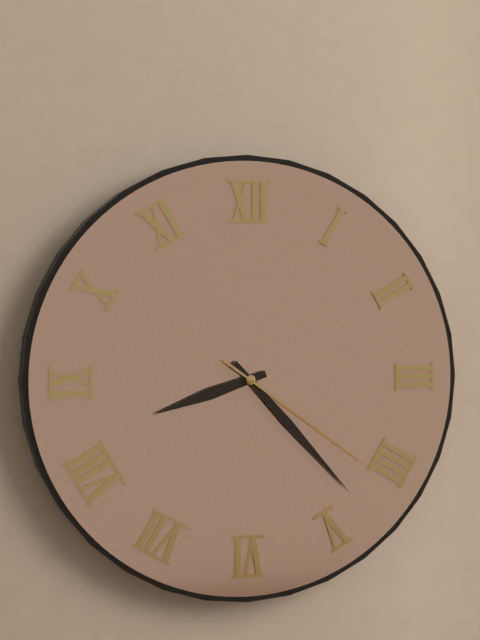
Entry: h=8 m=23 s=21
